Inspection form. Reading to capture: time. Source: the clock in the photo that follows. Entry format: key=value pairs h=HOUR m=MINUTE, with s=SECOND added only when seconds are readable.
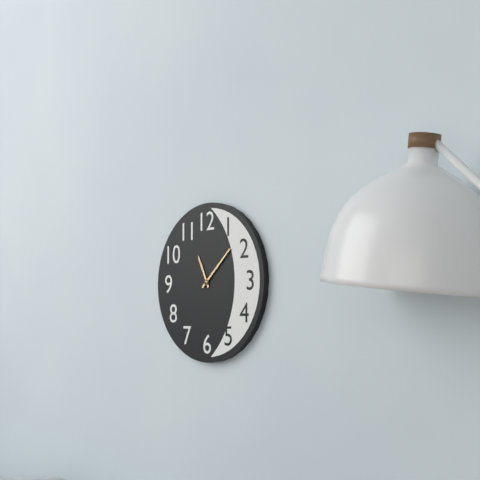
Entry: h=11 m=8
